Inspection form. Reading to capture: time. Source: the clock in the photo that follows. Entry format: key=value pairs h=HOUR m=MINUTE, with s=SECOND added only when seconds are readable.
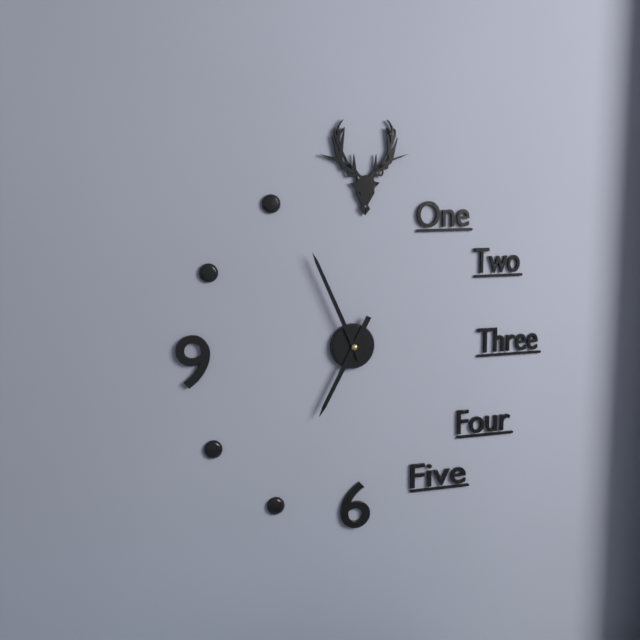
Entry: h=6 m=56
